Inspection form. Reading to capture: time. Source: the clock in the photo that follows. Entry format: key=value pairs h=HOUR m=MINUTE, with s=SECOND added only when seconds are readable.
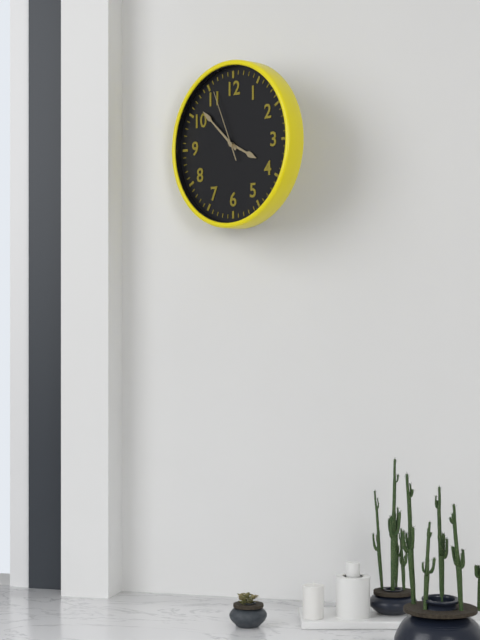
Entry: h=3 m=52 s=56
